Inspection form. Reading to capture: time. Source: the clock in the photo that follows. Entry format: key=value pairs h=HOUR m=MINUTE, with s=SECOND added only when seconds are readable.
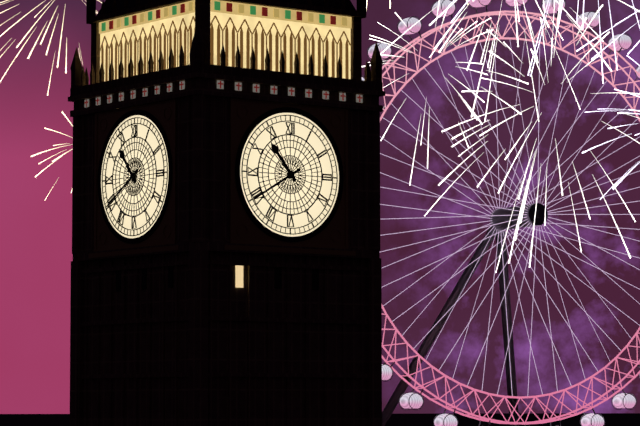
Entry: h=10 m=40
